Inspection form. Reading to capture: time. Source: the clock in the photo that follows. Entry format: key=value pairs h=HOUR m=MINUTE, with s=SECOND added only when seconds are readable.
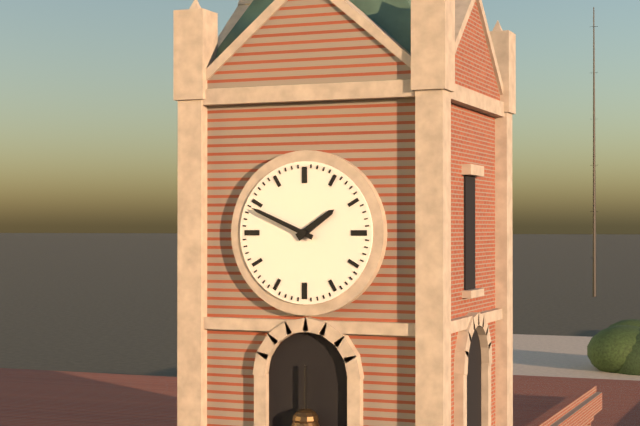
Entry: h=1 m=49
